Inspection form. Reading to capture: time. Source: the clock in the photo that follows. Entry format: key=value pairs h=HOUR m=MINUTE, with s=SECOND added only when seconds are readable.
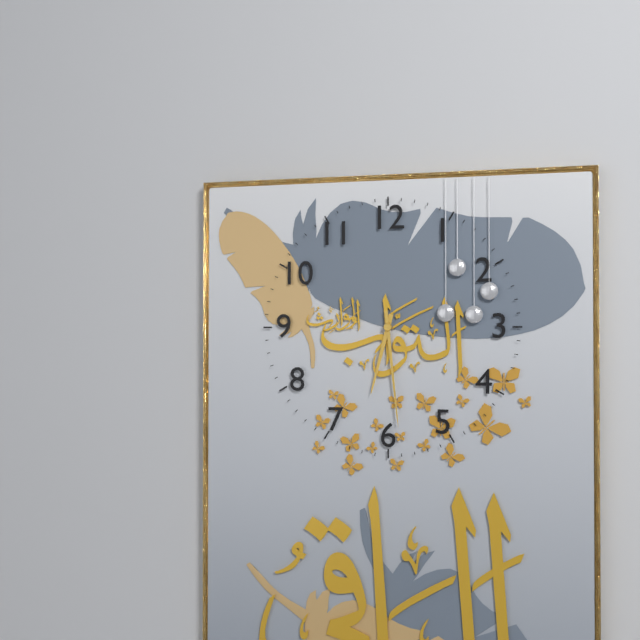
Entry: h=6 m=29
